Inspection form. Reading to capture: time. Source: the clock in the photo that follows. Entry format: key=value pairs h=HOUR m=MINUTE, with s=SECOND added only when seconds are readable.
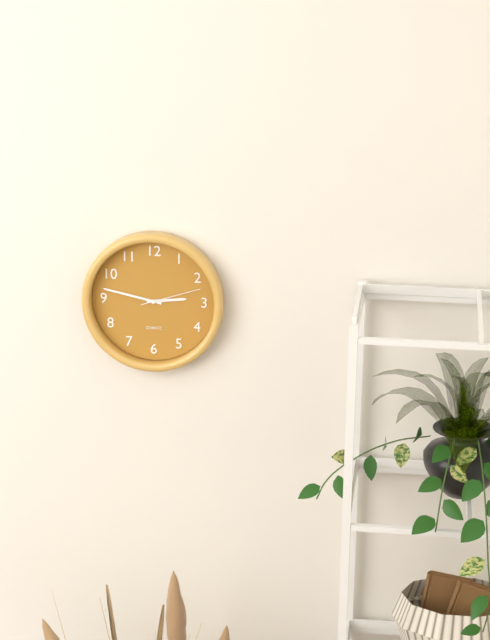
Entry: h=2 m=47 s=12
